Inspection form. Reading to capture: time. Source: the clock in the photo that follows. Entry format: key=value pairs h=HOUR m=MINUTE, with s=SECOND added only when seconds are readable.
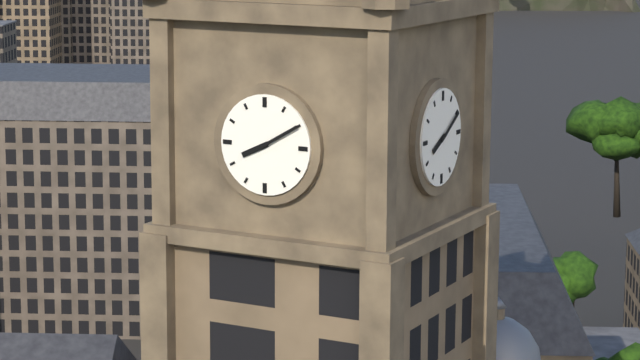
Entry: h=8 m=10
